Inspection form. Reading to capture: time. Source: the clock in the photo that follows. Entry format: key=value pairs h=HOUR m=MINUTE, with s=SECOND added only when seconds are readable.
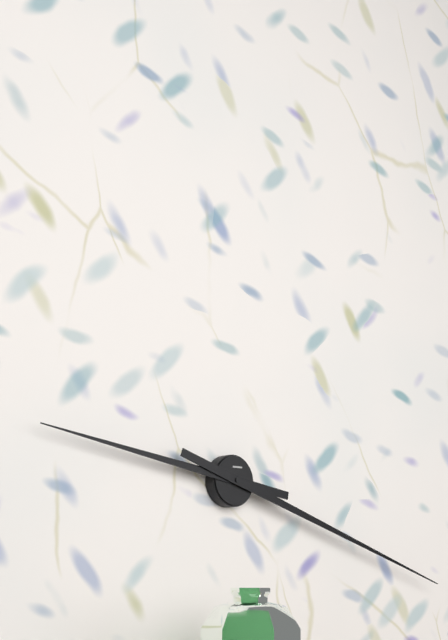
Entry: h=9 m=18
